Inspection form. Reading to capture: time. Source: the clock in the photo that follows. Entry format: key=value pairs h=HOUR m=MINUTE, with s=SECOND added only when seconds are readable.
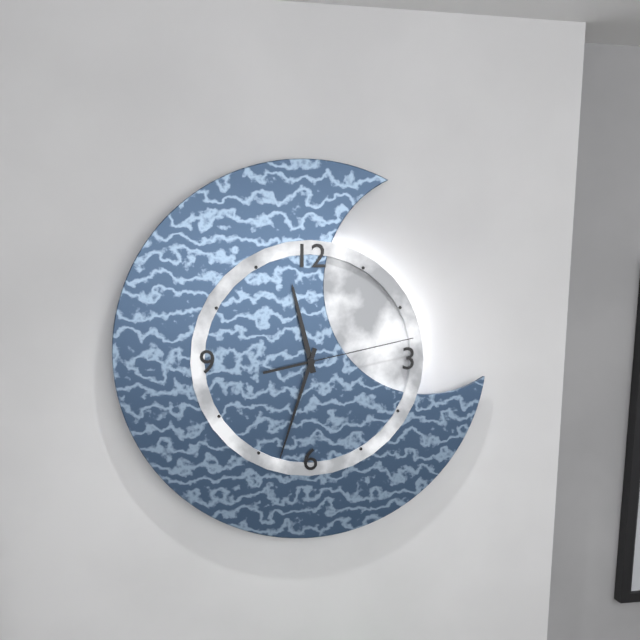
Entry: h=11 m=33 s=13
